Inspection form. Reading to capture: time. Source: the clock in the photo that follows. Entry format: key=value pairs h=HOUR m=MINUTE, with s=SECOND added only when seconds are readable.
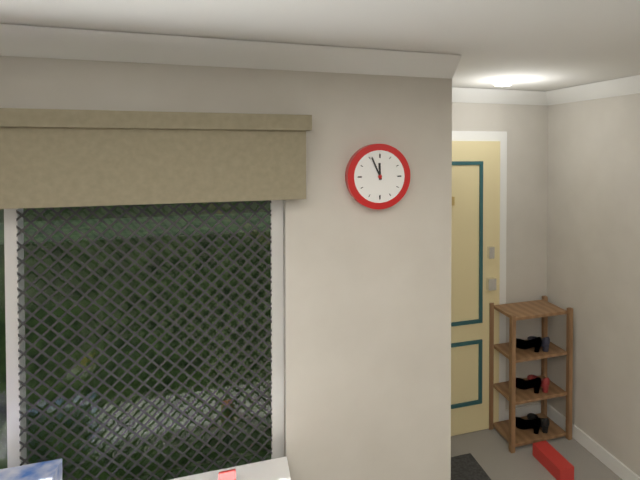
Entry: h=11 m=56
